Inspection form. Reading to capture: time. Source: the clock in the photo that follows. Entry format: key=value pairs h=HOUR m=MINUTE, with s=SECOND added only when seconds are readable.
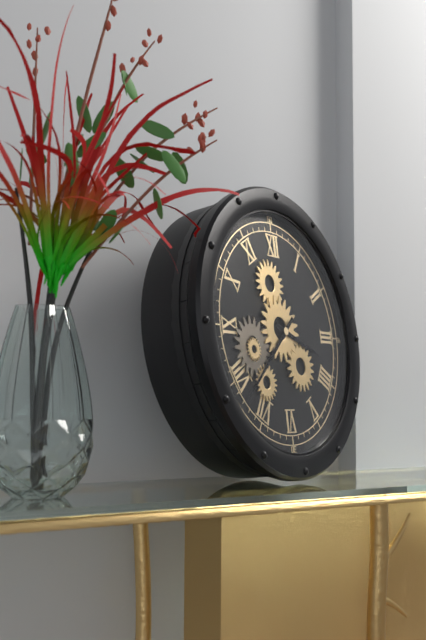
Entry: h=3 m=38
